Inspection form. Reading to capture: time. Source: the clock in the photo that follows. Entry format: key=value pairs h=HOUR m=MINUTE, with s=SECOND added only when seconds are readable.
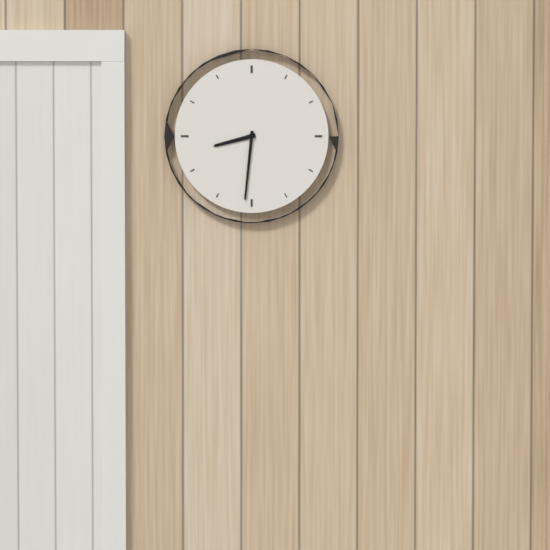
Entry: h=8 m=31
